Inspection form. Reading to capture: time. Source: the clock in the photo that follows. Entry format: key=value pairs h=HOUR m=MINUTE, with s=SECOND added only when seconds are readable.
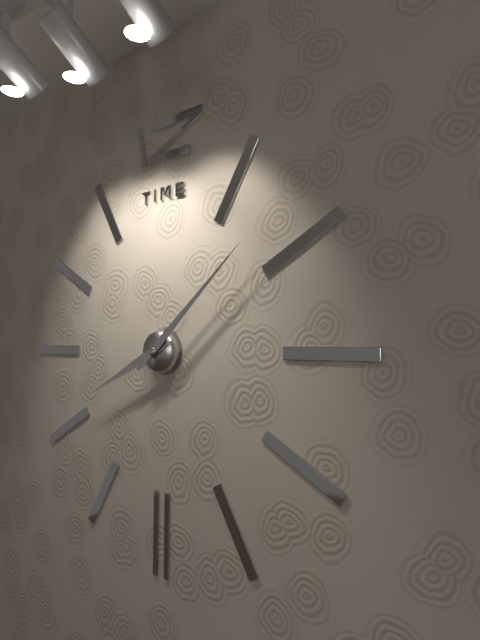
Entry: h=8 m=8
